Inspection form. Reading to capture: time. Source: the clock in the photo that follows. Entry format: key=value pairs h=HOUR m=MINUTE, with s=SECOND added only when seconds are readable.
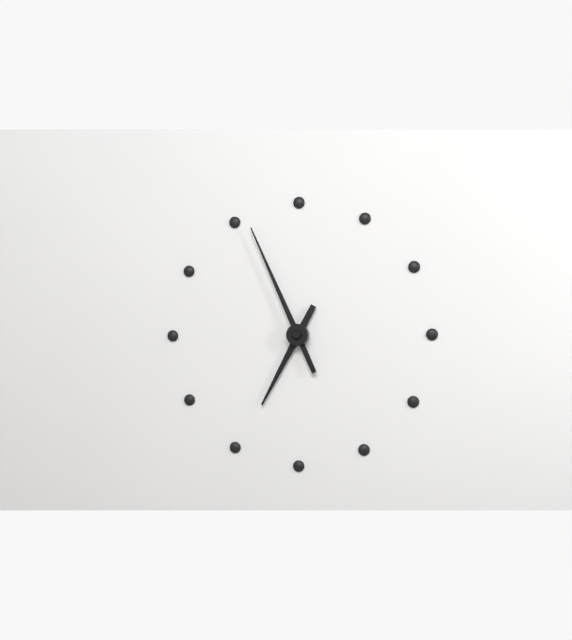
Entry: h=6 m=56
